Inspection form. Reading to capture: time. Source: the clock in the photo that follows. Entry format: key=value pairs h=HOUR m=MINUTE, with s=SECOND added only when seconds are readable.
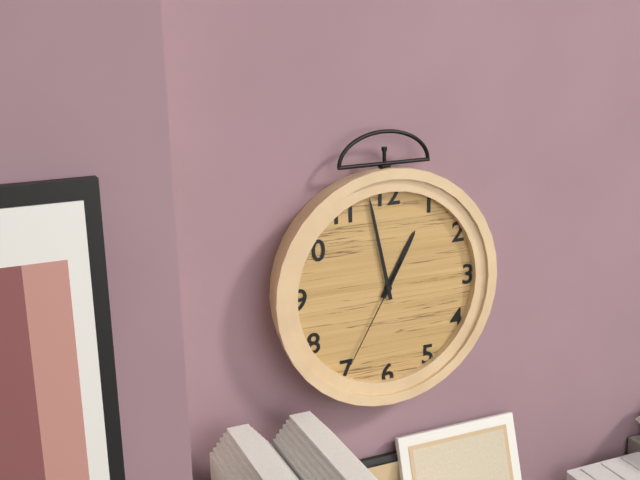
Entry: h=12 m=58 s=35
